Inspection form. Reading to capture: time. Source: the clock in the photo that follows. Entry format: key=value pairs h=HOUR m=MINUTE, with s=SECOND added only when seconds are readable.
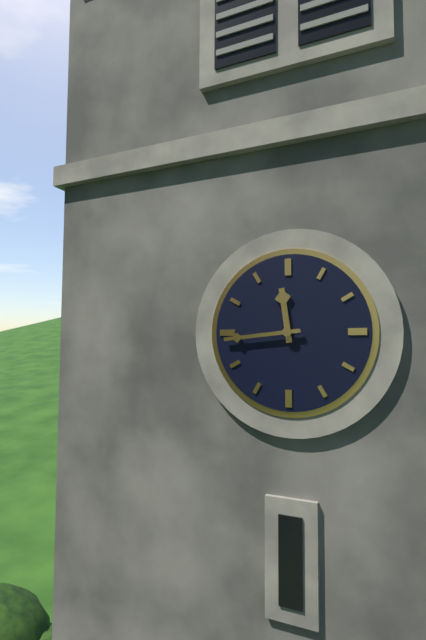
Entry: h=11 m=44
